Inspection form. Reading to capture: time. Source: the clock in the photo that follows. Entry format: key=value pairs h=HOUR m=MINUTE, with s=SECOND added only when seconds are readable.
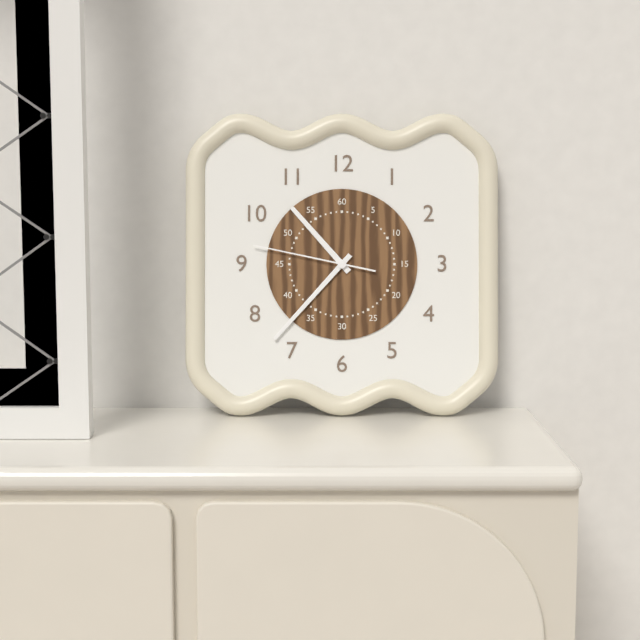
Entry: h=10 m=37 s=47
